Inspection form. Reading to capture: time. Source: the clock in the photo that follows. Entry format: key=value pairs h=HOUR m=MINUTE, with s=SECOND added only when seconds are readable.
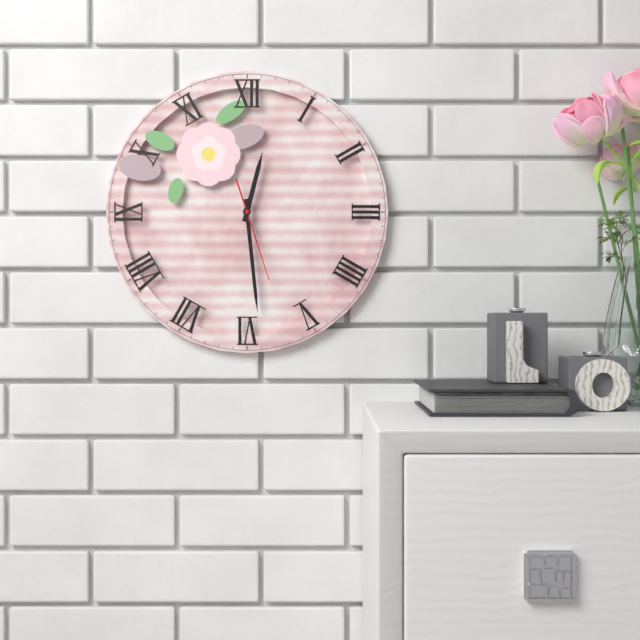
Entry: h=12 m=29 s=27
